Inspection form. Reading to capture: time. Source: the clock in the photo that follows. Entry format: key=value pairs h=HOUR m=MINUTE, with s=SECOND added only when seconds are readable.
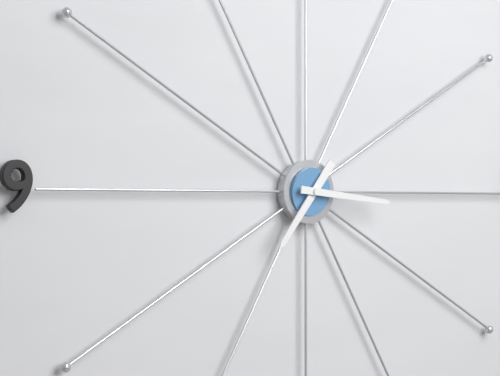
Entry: h=7 m=16
